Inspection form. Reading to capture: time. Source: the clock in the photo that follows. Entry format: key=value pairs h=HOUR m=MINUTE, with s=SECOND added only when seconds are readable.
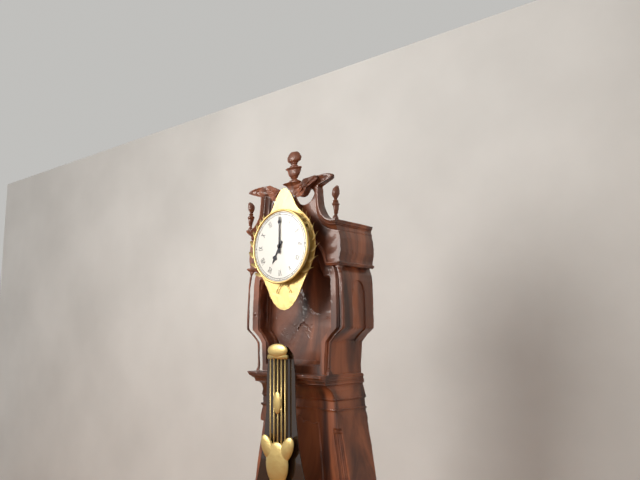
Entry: h=7 m=0
